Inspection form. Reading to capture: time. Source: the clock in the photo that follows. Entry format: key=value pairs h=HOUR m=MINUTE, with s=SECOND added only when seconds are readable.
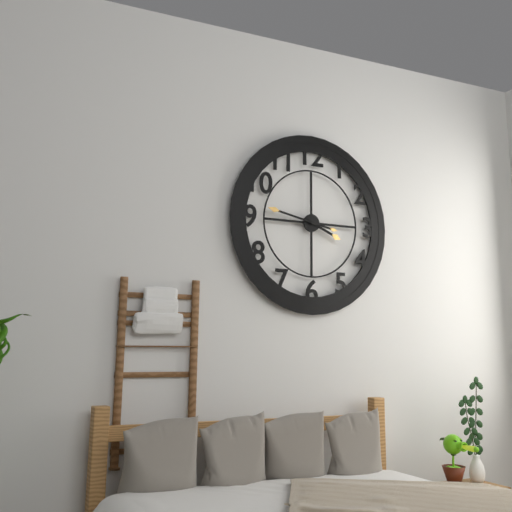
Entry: h=3 m=47
